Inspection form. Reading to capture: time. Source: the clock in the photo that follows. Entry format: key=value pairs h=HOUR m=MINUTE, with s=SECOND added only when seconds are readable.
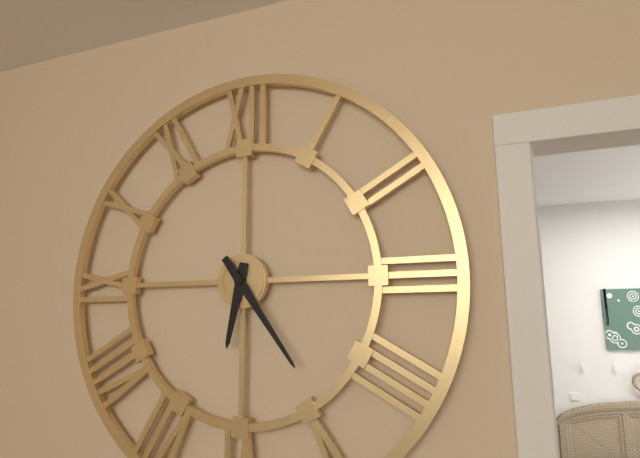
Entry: h=6 m=24
